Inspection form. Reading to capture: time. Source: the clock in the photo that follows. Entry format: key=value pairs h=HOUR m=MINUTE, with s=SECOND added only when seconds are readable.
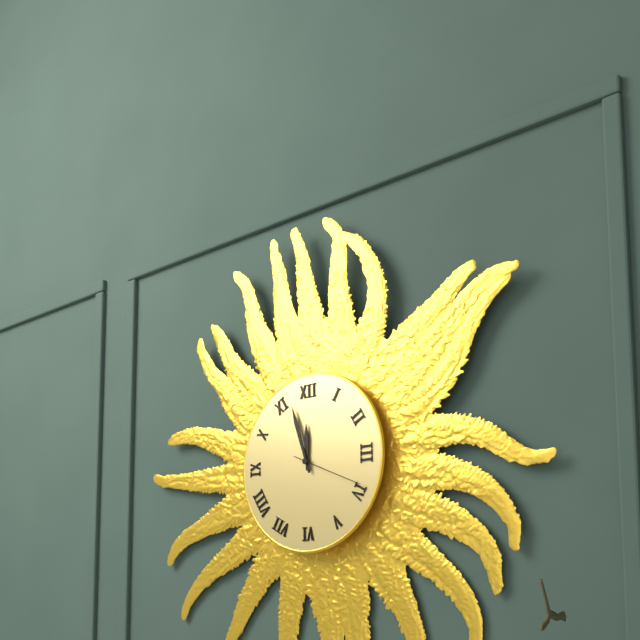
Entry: h=11 m=57 s=19
